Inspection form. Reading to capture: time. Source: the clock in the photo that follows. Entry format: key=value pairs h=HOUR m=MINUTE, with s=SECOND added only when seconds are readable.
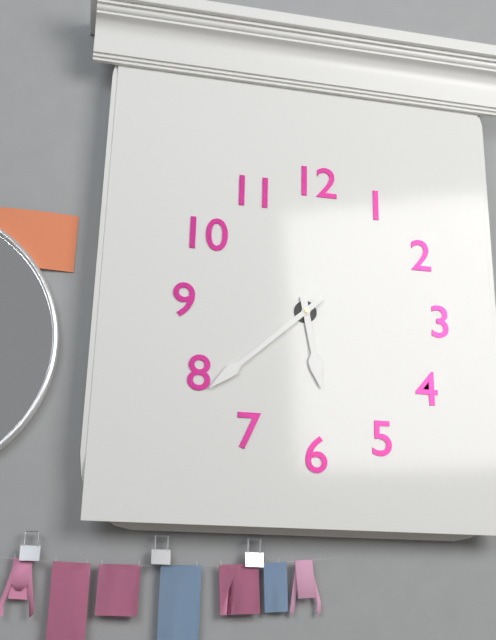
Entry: h=5 m=38
